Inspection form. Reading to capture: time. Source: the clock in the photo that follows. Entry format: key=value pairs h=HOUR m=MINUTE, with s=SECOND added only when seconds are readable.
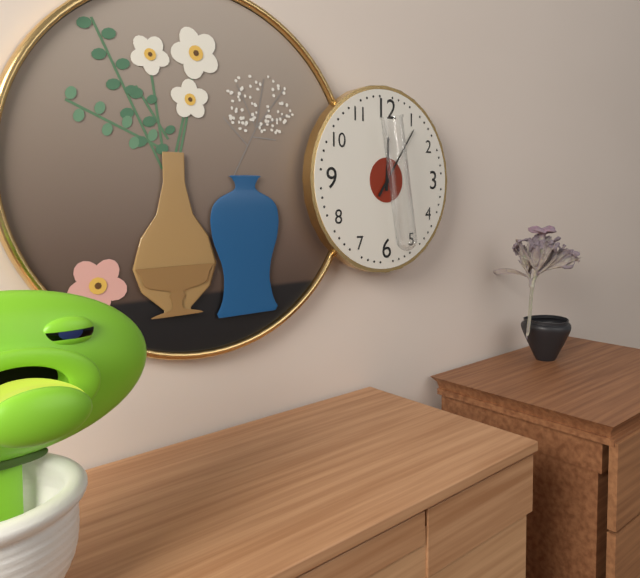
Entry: h=12 m=6
